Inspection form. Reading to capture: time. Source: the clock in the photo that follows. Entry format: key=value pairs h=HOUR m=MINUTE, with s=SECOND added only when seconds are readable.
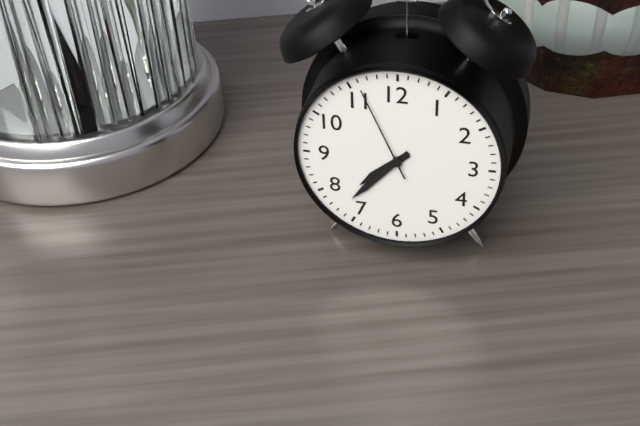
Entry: h=7 m=37 s=56
